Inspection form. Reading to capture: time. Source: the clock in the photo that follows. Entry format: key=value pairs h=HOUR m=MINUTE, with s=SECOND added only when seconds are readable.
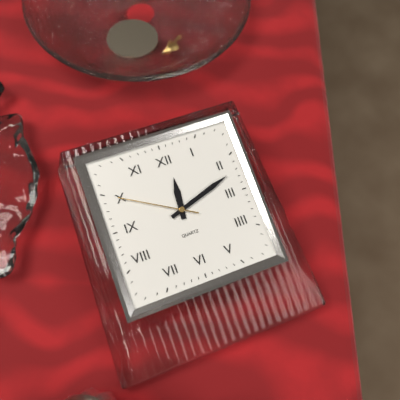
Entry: h=12 m=12 s=50
